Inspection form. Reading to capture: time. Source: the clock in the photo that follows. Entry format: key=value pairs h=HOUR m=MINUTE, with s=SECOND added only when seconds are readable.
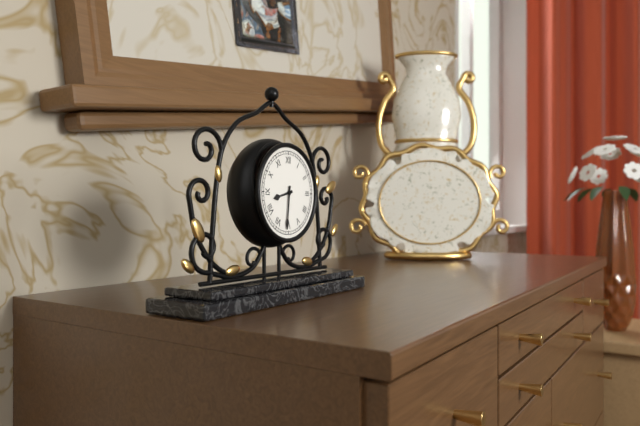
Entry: h=8 m=31
